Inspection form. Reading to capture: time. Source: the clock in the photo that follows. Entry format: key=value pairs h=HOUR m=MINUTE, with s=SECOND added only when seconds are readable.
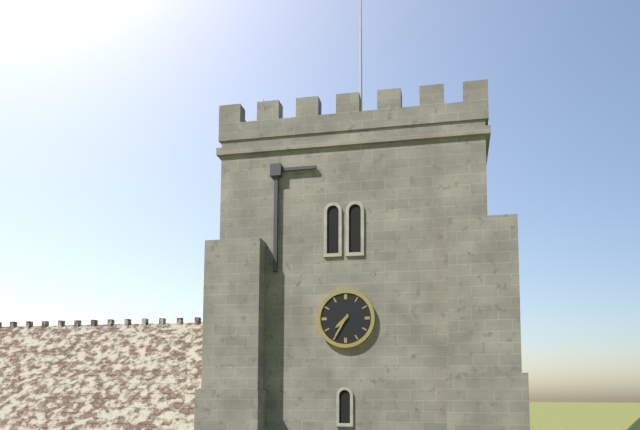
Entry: h=7 m=35
